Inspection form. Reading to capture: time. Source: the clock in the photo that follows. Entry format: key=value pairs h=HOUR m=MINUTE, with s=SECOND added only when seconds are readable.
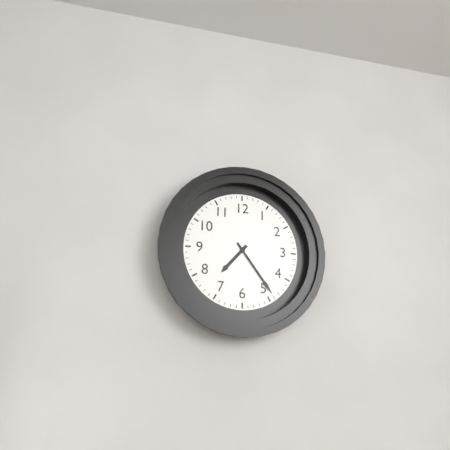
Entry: h=7 m=24
